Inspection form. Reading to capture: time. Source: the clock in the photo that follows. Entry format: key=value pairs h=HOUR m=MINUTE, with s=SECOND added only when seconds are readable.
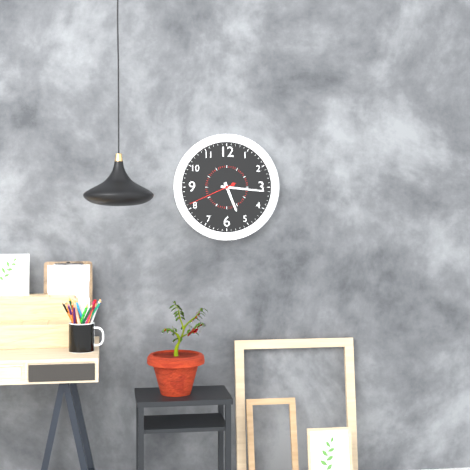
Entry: h=5 m=16 s=41
